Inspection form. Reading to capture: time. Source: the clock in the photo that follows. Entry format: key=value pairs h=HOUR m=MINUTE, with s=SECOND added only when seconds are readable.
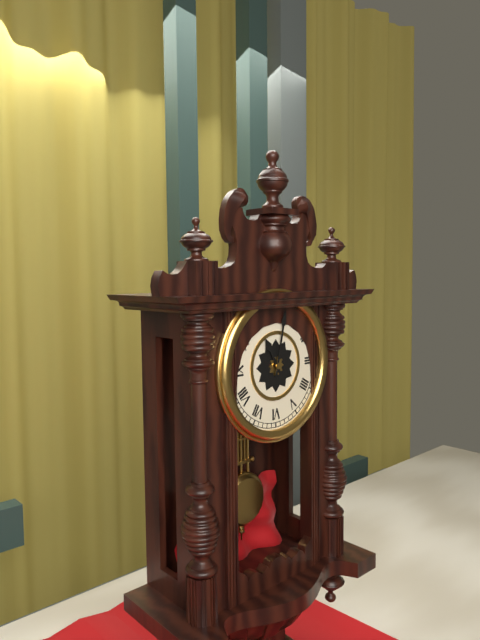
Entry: h=11 m=2
